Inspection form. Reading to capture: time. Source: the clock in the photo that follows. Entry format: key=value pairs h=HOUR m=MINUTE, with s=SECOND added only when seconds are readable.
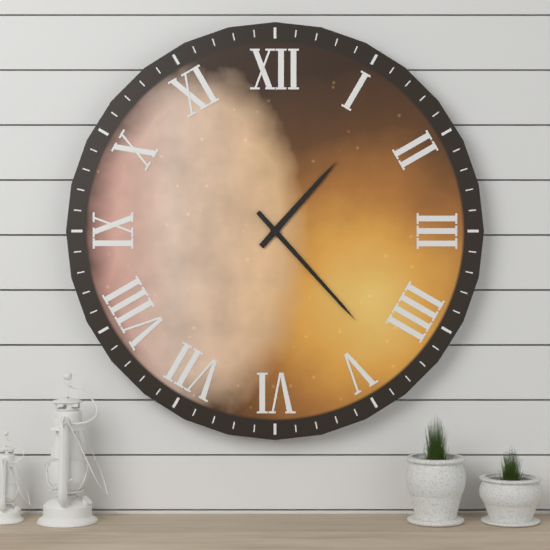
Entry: h=1 m=23
